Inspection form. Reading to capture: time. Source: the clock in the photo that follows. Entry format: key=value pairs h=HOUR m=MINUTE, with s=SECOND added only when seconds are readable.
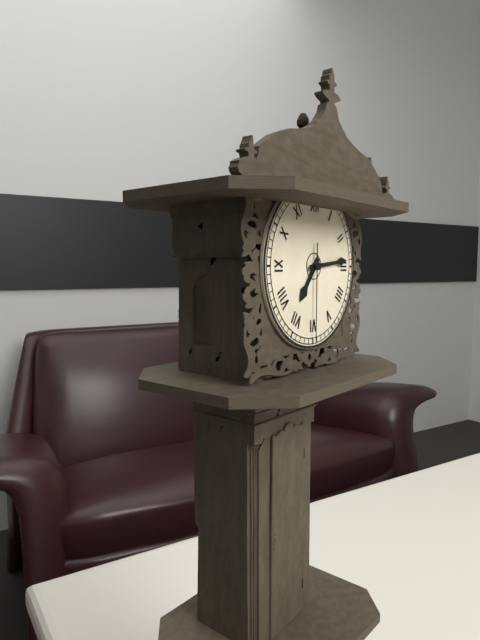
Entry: h=7 m=14 s=30
